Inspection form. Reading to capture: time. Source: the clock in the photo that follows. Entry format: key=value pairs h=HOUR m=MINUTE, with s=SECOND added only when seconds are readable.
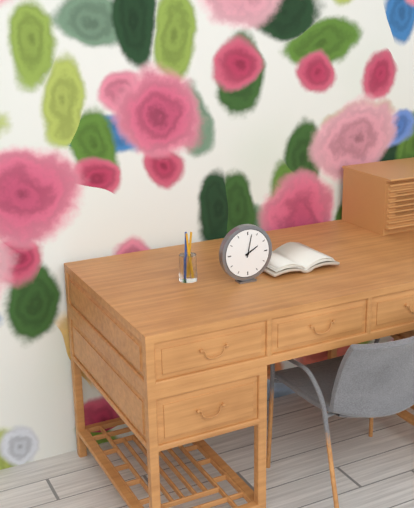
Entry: h=2 m=2
